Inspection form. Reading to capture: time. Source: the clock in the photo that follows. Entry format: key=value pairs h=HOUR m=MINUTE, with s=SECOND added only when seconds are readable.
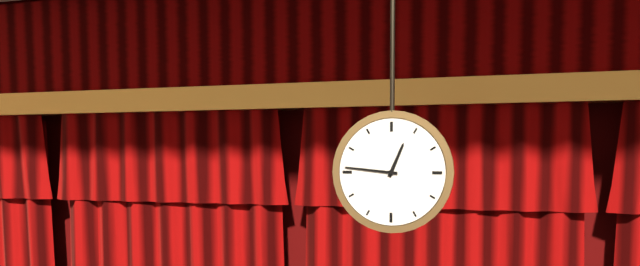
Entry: h=12 m=46
